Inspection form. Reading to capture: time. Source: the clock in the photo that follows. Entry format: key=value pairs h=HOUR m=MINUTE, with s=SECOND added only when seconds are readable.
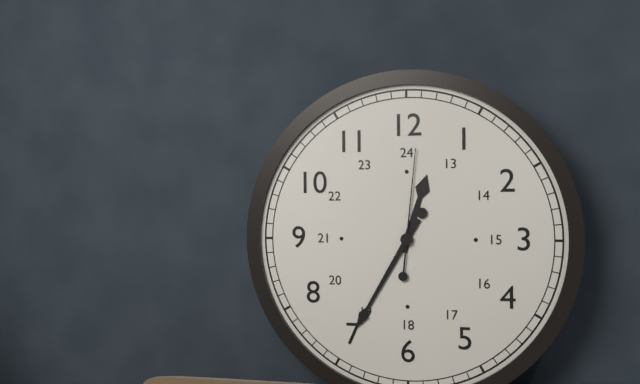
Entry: h=12 m=35 s=1
